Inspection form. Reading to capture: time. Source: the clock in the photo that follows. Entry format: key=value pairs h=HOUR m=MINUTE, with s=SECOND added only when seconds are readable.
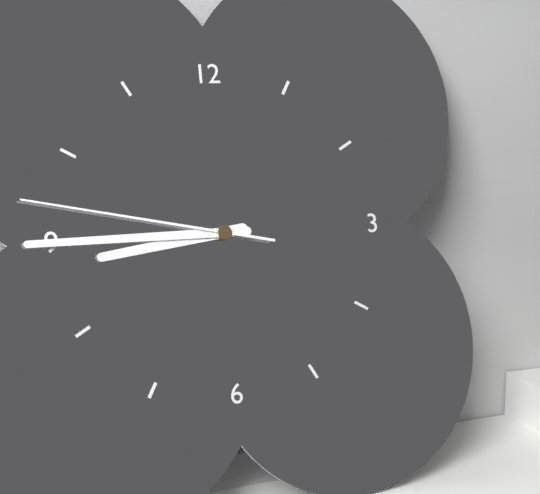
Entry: h=8 m=45 s=47
